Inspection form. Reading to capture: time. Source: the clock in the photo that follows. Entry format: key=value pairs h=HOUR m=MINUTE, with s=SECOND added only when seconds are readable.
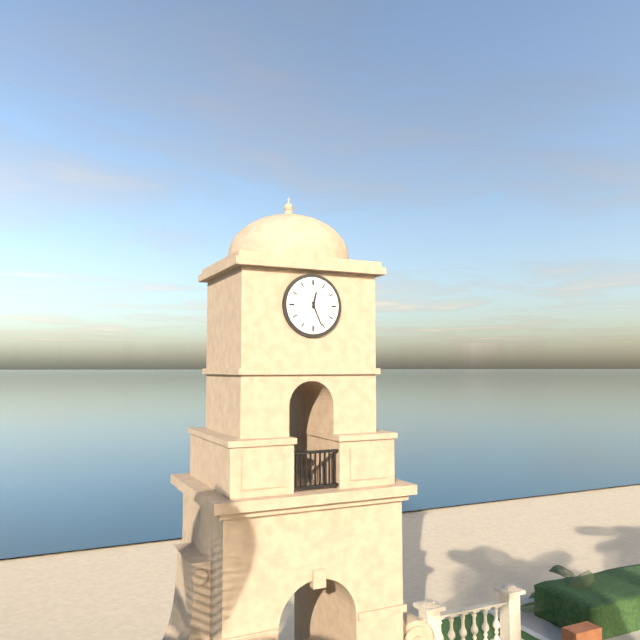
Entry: h=12 m=26
